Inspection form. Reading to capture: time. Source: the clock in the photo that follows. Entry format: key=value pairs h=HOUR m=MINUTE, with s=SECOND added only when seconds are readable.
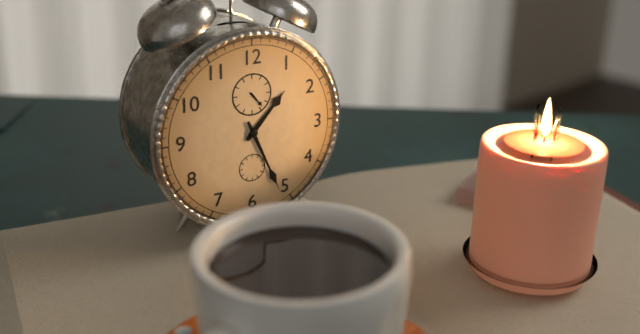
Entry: h=1 m=26
